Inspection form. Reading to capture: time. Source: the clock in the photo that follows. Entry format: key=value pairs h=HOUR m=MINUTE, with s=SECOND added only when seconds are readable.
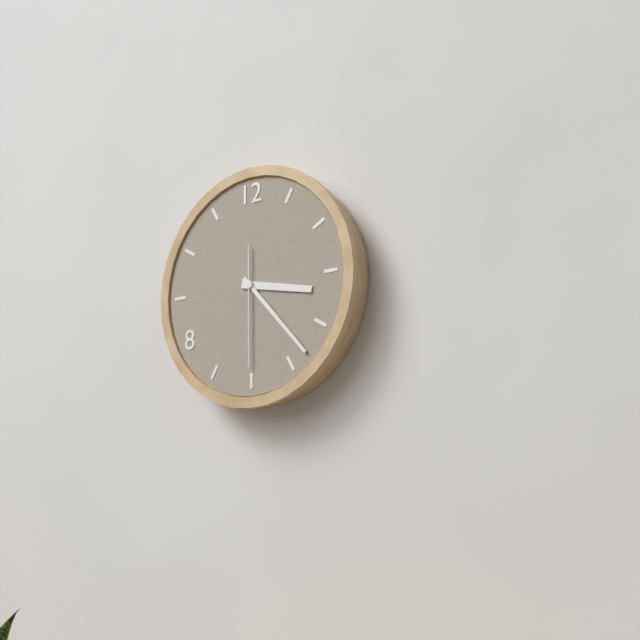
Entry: h=3 m=23 s=30
